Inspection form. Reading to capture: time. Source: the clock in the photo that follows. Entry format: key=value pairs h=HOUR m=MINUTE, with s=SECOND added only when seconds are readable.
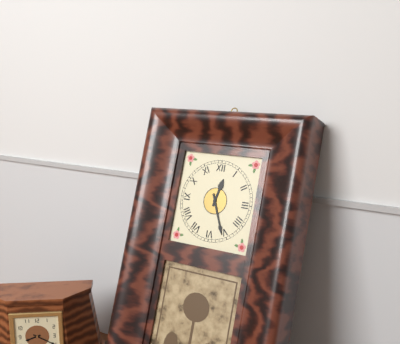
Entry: h=12 m=26
